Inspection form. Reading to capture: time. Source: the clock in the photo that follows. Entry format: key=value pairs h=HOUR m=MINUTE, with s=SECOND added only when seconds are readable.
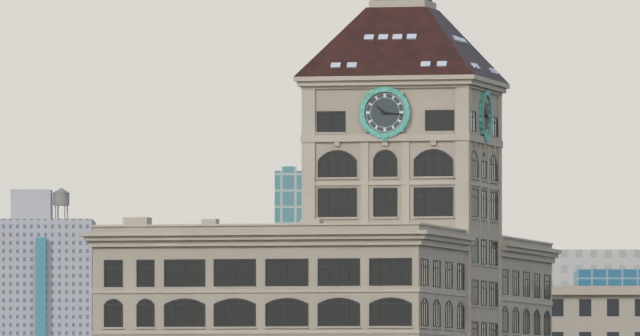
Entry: h=10 m=16
